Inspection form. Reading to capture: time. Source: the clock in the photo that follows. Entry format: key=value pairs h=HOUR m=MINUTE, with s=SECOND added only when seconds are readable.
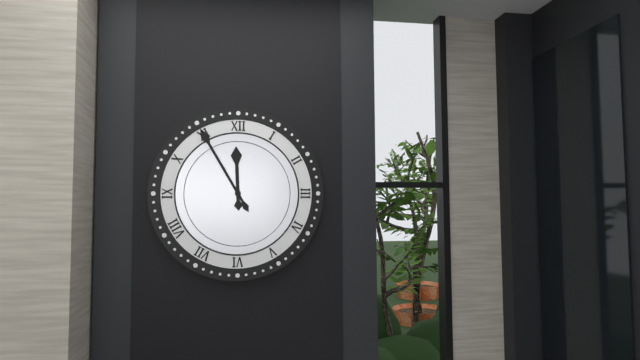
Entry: h=11 m=55
